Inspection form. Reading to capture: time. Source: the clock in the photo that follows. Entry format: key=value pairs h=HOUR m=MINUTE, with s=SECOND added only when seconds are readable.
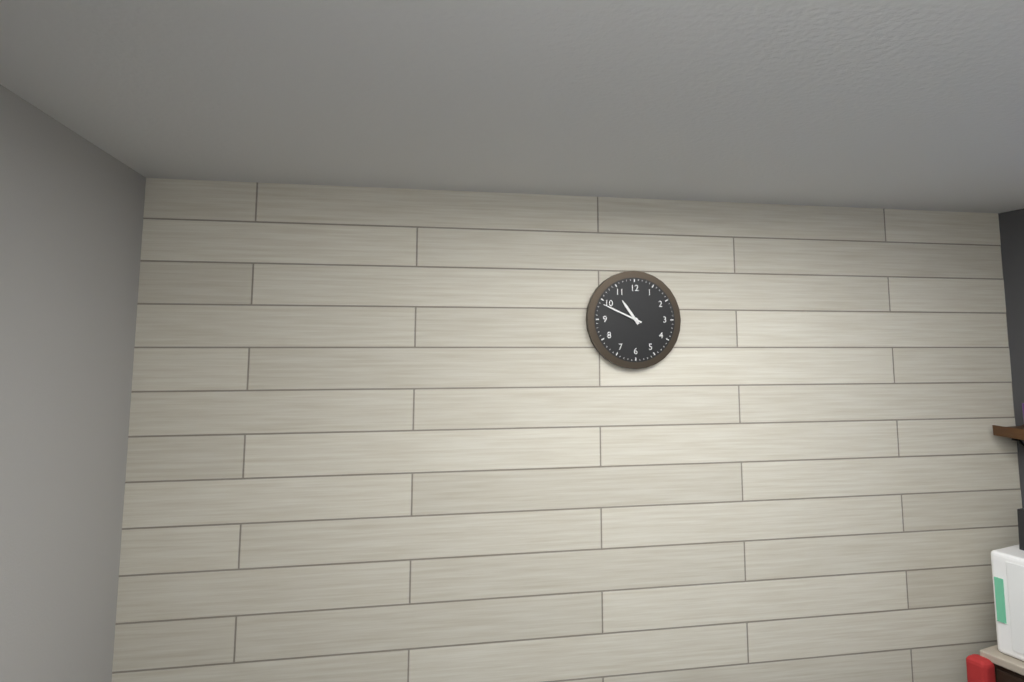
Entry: h=10 m=49
